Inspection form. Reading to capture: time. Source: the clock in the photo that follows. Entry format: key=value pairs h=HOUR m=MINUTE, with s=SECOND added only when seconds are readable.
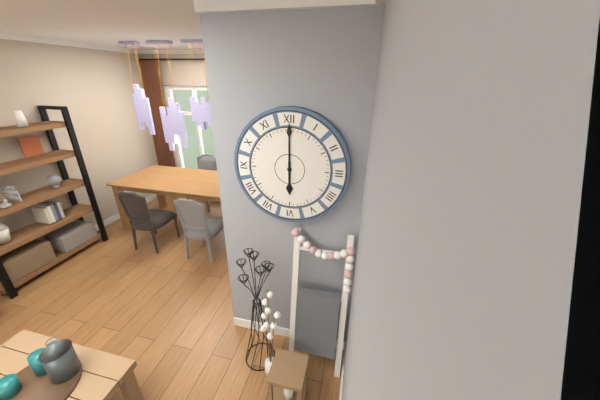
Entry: h=6 m=0
